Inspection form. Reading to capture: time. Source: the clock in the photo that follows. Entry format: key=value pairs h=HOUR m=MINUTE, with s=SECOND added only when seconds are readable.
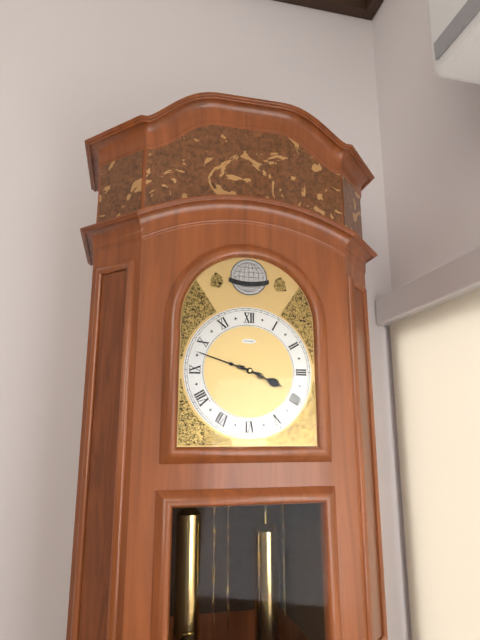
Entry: h=3 m=48
